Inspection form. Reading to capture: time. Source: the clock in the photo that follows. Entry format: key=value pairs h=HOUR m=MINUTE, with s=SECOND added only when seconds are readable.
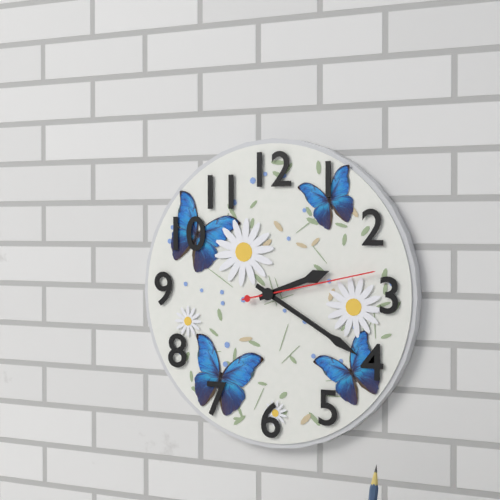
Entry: h=2 m=20 s=13
